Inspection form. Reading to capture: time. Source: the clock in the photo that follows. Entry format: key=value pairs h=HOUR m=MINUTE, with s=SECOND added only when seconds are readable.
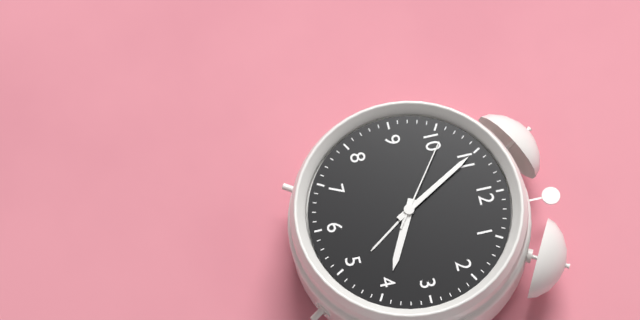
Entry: h=3 m=55 s=51
